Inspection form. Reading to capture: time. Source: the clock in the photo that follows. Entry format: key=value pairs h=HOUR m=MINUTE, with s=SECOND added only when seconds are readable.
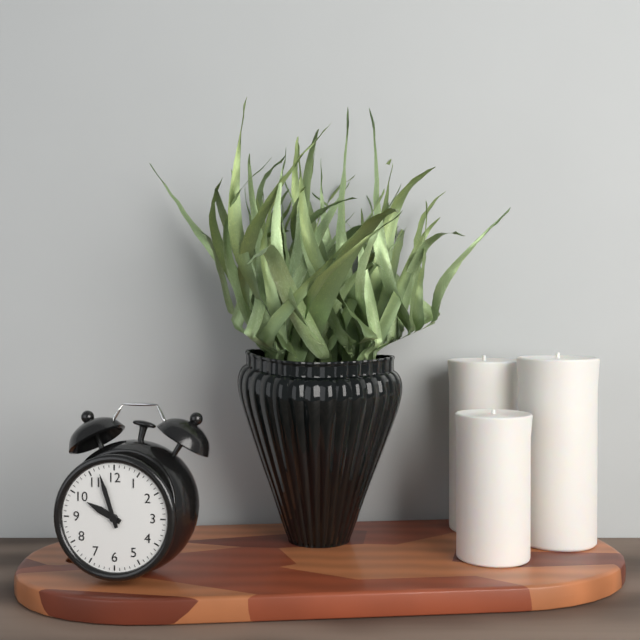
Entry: h=9 m=57
